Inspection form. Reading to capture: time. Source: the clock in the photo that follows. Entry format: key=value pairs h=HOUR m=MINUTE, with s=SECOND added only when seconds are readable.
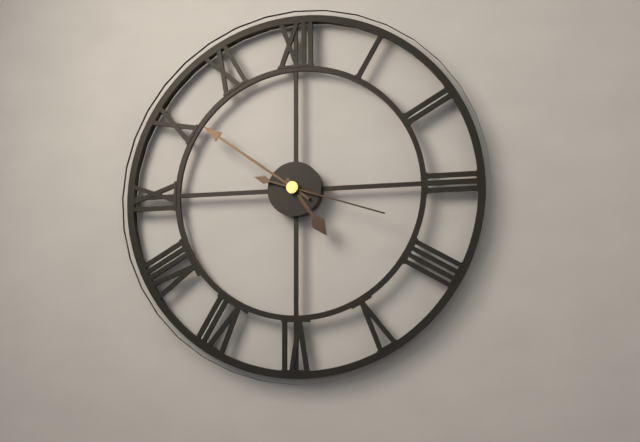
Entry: h=4 m=51 s=18
